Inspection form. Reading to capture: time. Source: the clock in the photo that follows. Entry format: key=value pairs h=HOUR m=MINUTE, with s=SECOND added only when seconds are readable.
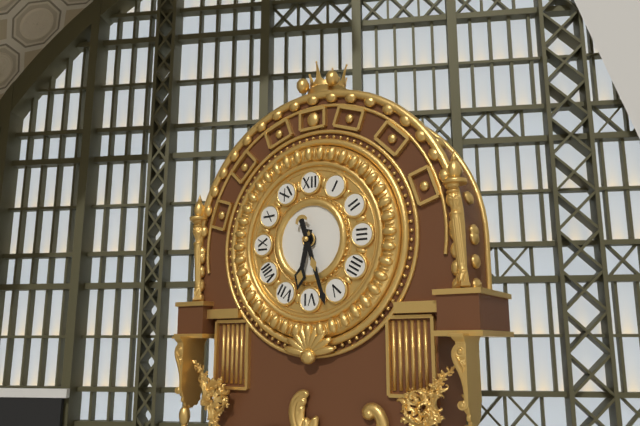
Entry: h=6 m=27
